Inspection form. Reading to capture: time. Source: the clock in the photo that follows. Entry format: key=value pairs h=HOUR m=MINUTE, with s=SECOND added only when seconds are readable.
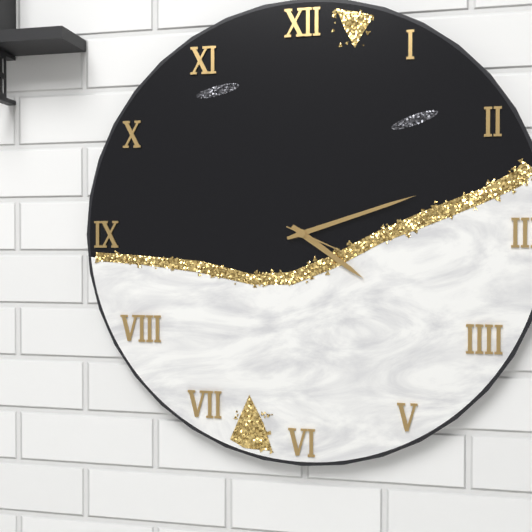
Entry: h=4 m=12 s=19
